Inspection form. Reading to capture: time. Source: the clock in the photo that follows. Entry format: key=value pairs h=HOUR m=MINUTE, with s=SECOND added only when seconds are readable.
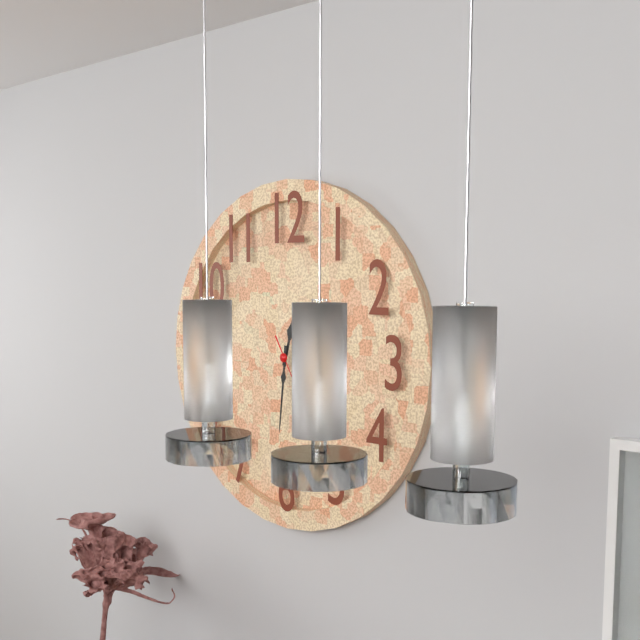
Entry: h=12 m=31 s=25
